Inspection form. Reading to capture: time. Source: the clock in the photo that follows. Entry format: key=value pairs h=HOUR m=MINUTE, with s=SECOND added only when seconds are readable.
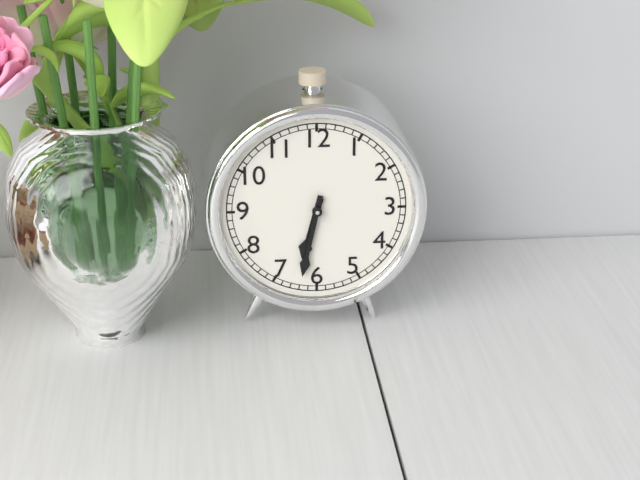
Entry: h=6 m=32
